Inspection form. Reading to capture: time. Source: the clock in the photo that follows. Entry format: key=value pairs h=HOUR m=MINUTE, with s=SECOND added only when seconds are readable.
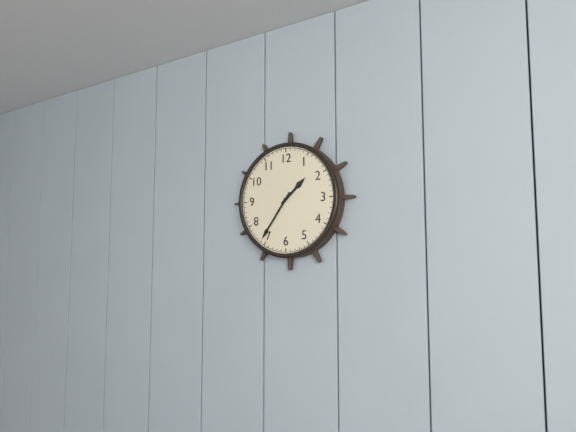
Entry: h=1 m=36
